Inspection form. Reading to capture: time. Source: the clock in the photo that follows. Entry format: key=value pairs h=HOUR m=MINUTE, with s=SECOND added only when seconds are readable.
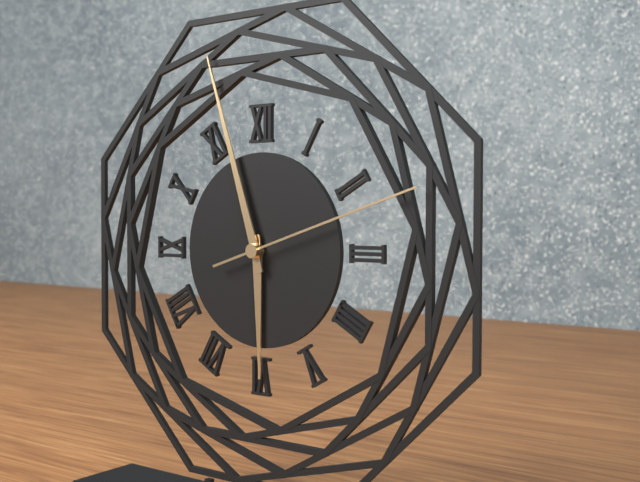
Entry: h=5 m=57 s=12
